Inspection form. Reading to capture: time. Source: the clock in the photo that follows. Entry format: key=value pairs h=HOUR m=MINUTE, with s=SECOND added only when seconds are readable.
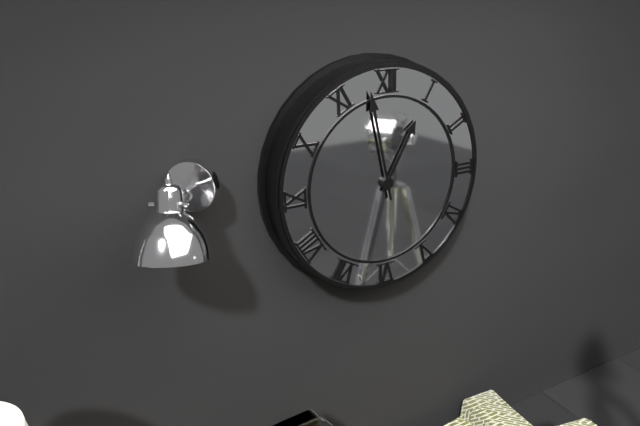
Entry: h=12 m=58
